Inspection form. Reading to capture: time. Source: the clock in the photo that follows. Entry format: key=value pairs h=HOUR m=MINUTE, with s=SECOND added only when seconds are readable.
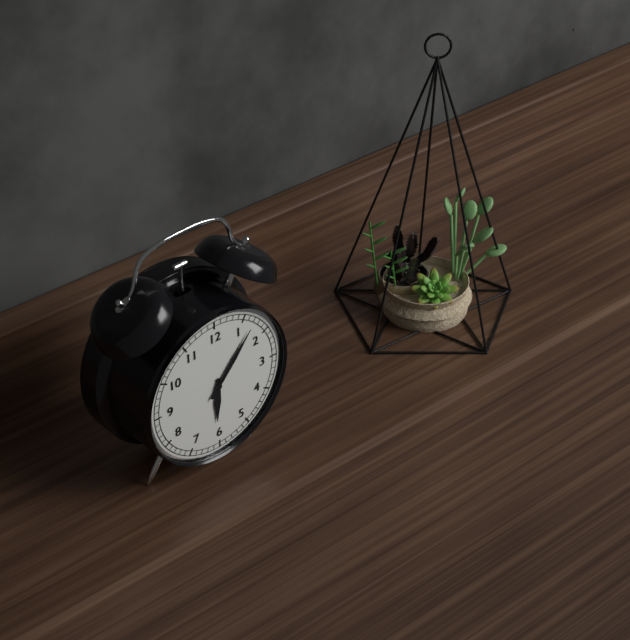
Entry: h=6 m=7
